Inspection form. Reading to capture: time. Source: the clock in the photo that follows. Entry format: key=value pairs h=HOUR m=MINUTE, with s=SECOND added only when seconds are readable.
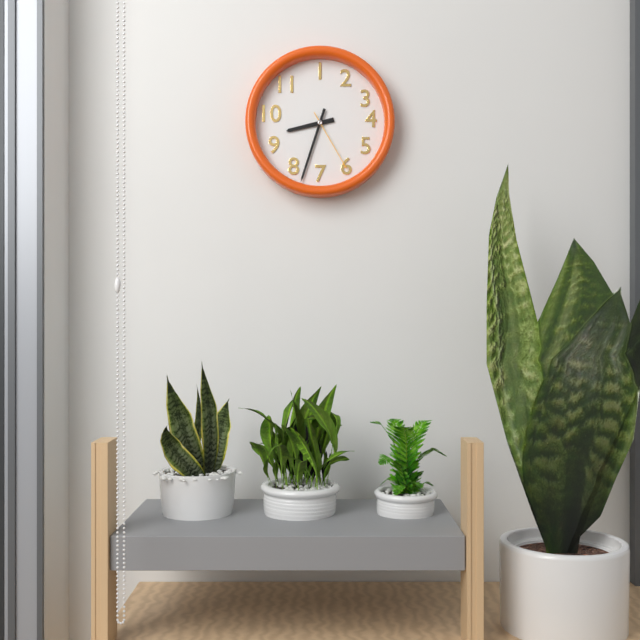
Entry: h=8 m=33 s=25
